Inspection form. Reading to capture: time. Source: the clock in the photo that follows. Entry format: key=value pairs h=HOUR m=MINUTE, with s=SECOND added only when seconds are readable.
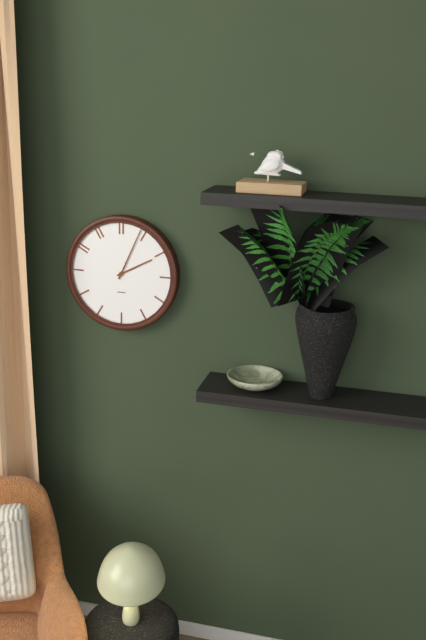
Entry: h=2 m=4
